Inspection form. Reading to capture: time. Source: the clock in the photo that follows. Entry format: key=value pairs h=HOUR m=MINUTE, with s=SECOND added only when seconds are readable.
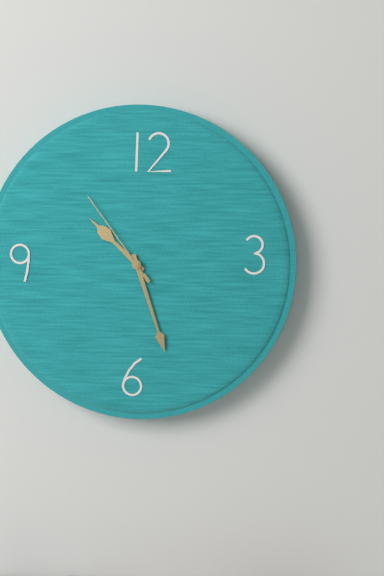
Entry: h=10 m=27 s=54
